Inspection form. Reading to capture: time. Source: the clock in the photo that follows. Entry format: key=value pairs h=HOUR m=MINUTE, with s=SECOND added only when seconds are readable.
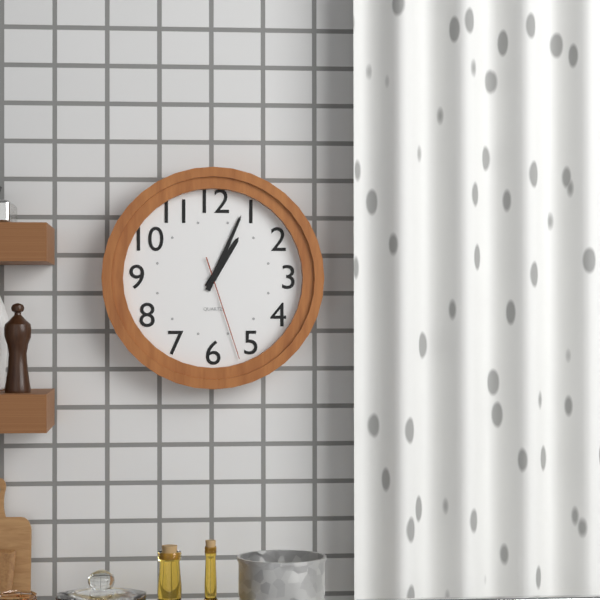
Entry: h=1 m=4 s=27
